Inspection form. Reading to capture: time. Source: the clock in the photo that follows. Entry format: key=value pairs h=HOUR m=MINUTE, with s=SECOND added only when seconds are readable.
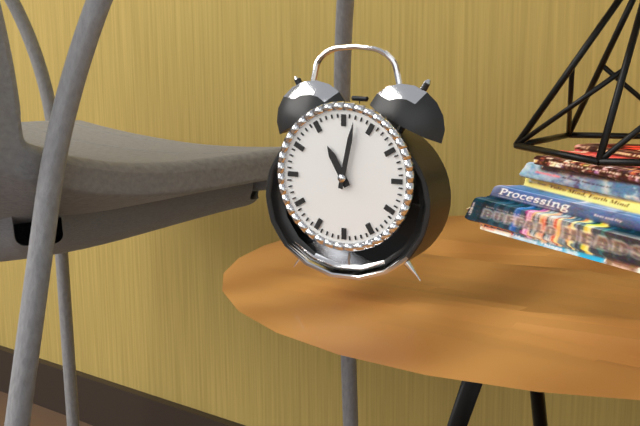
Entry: h=11 m=2
